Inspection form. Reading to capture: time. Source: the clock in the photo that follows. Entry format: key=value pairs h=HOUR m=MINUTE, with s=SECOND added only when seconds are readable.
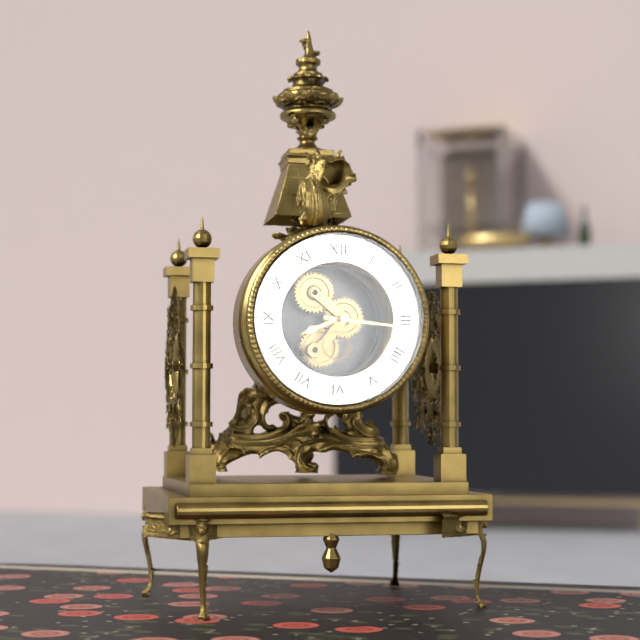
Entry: h=8 m=16
